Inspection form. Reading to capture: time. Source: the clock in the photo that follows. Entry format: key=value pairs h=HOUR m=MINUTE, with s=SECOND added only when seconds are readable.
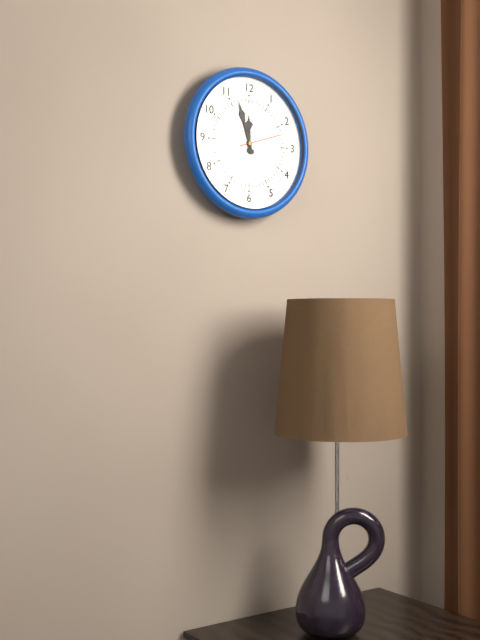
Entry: h=11 m=57
